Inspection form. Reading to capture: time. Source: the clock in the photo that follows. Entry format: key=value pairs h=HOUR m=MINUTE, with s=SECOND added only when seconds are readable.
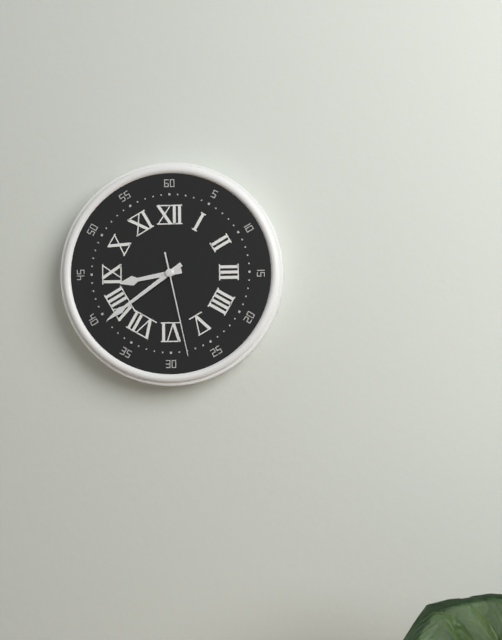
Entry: h=8 m=39 s=28
